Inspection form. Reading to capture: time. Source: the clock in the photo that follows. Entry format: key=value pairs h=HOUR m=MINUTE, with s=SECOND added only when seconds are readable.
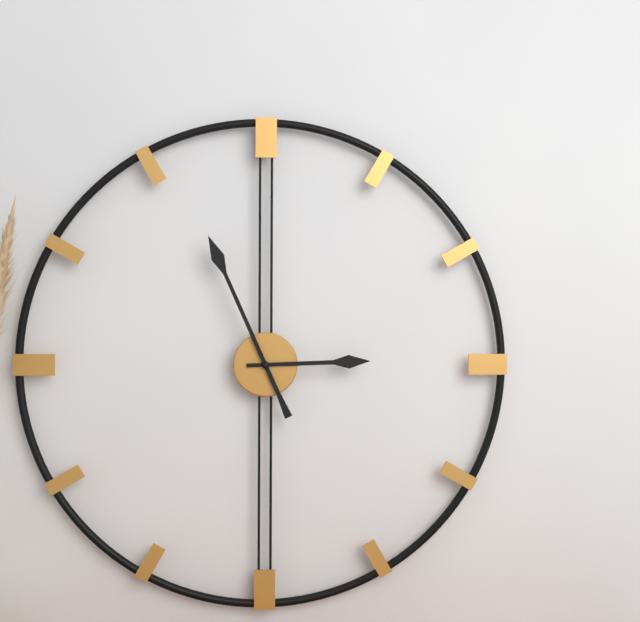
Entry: h=2 m=56
